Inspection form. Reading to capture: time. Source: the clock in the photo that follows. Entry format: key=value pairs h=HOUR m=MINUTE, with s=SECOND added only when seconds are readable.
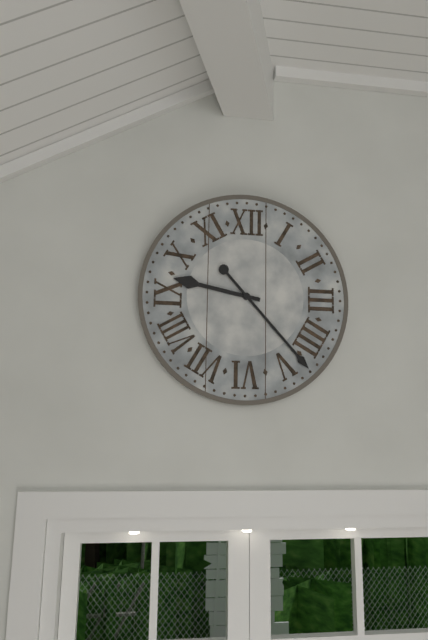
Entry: h=9 m=23
